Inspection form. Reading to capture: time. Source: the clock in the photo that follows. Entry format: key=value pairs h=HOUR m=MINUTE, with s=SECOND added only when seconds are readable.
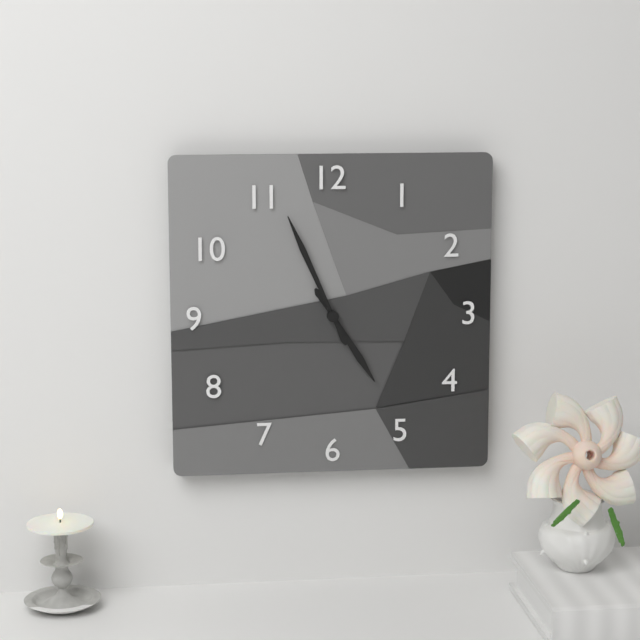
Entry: h=4 m=56
